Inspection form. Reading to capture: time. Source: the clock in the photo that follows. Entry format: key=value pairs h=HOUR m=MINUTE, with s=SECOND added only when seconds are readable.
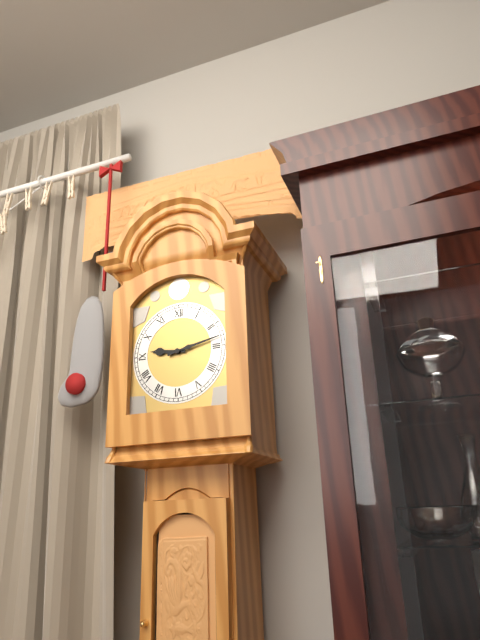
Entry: h=9 m=13
